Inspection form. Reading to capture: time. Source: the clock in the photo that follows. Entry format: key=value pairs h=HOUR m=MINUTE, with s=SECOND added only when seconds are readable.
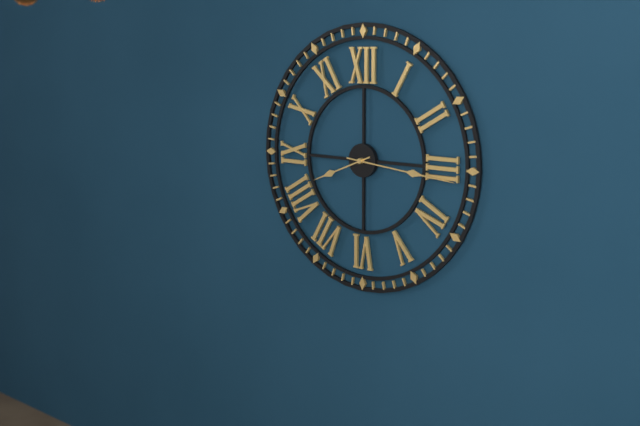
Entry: h=8 m=16
